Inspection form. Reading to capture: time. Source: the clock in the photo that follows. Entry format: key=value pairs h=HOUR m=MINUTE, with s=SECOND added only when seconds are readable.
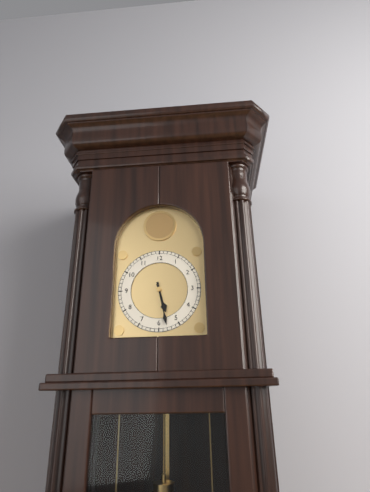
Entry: h=5 m=28
